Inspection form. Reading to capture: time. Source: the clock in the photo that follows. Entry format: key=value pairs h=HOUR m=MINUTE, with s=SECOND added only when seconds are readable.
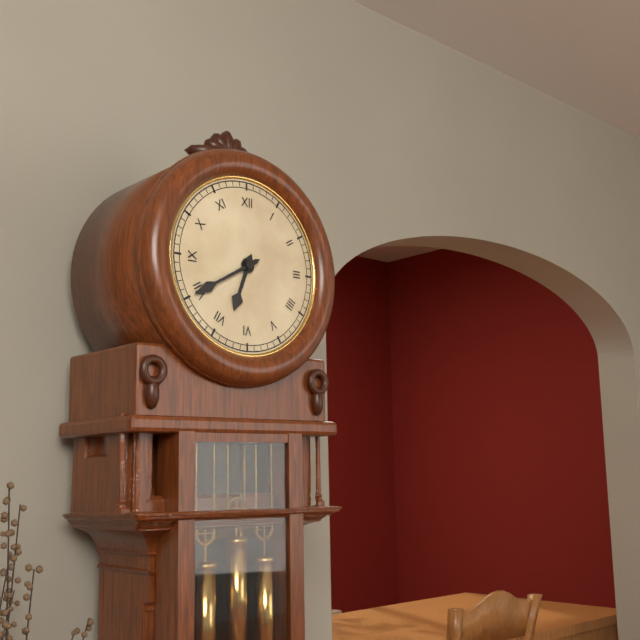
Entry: h=6 m=40
